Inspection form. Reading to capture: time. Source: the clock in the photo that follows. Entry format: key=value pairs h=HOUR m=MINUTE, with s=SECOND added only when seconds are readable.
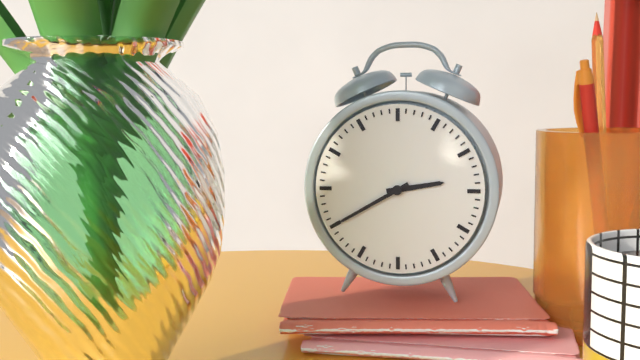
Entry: h=2 m=40
